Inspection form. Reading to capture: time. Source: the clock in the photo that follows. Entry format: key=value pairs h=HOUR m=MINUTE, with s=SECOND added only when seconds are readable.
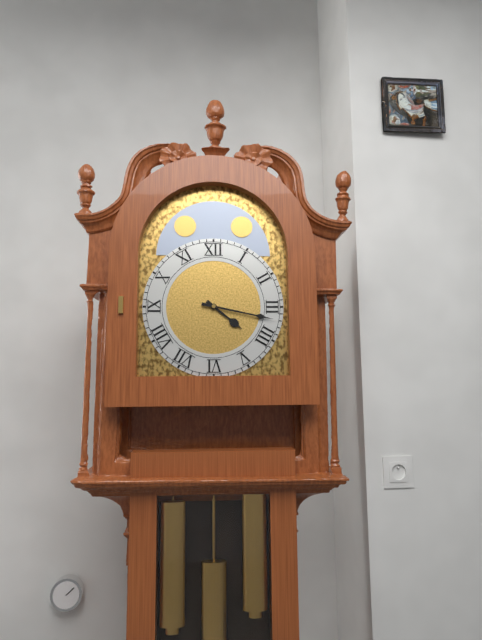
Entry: h=4 m=17
